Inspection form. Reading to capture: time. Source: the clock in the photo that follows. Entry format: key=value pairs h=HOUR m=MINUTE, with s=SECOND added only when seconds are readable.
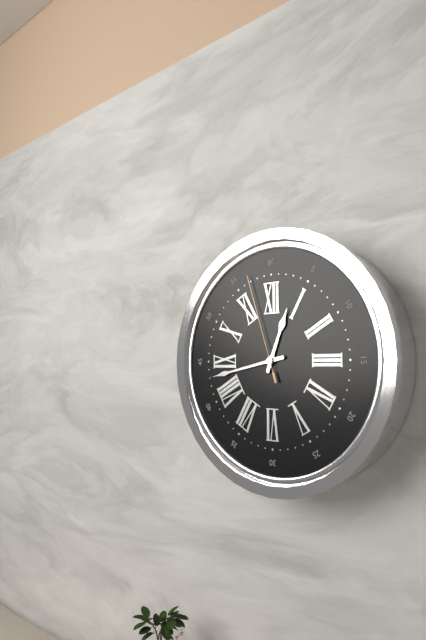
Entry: h=12 m=43 s=57
